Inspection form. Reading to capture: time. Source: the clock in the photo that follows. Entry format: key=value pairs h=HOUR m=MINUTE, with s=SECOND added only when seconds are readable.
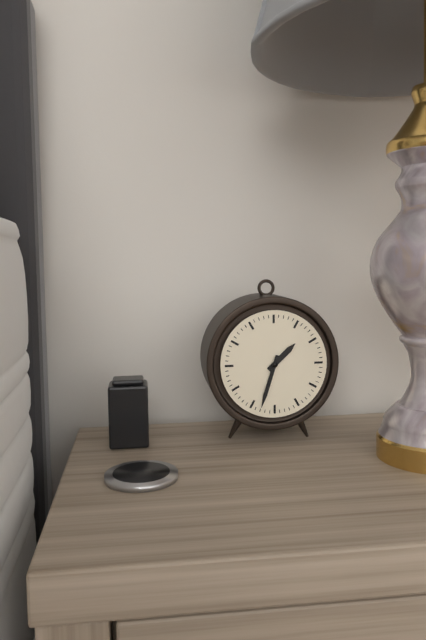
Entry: h=1 m=33
